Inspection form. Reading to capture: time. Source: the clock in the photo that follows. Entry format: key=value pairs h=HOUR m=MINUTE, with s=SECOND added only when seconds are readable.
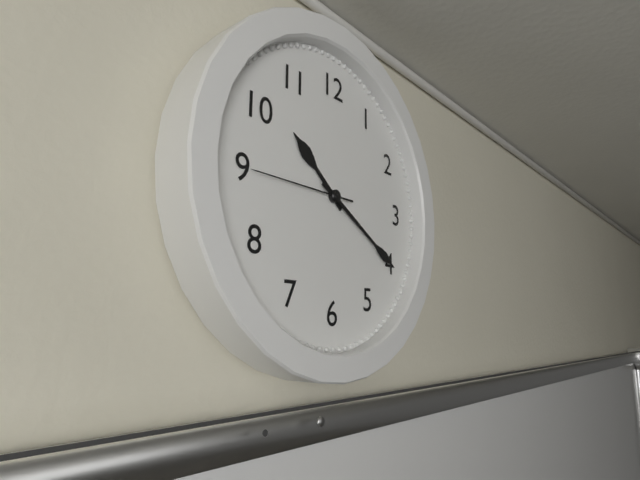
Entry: h=10 m=20 s=45
